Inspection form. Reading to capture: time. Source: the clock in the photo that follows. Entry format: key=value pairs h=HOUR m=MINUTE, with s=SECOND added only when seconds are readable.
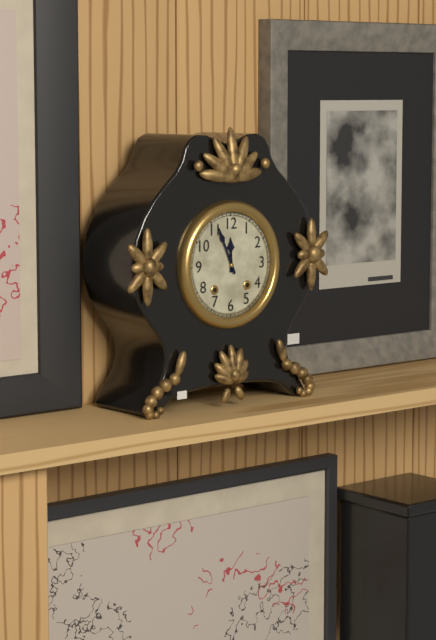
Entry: h=11 m=56
